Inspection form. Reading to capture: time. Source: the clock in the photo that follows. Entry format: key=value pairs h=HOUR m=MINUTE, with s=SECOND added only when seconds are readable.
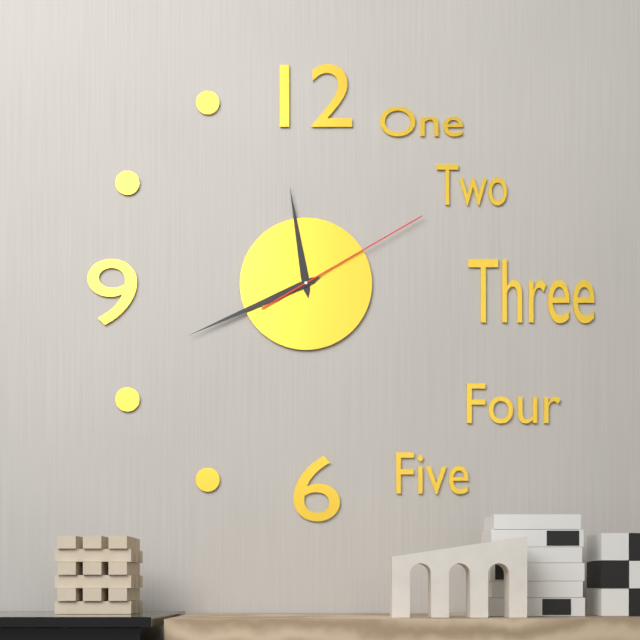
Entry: h=11 m=41 s=10
